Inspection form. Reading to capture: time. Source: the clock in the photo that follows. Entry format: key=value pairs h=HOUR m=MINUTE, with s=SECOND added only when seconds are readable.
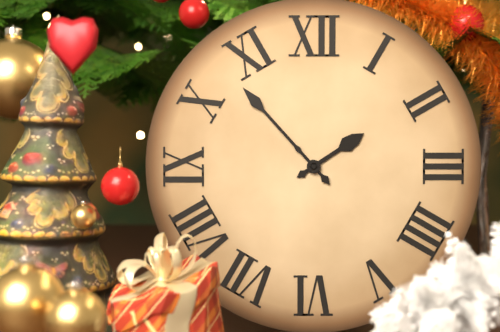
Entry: h=1 m=53
